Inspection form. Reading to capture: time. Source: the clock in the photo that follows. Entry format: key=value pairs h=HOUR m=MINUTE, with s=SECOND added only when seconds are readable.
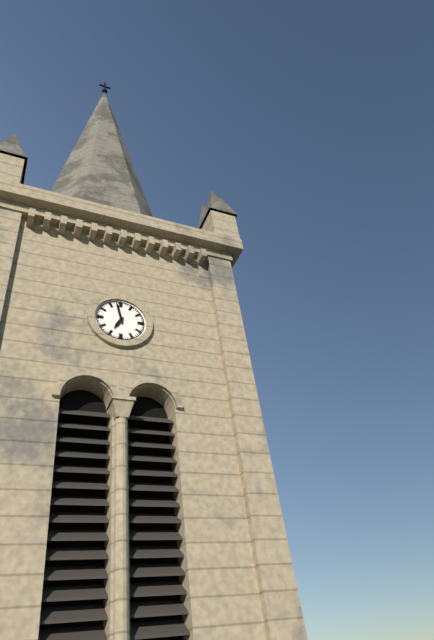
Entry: h=6 m=58
